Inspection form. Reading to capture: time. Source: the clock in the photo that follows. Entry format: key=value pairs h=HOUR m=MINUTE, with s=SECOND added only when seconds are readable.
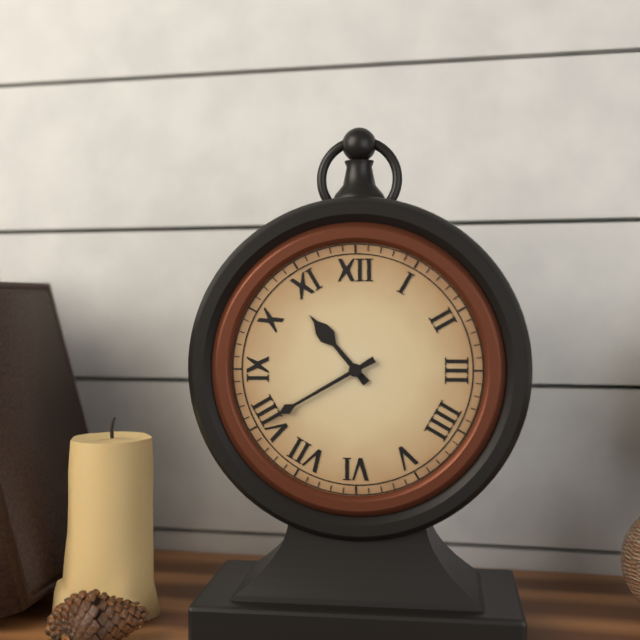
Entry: h=10 m=40
